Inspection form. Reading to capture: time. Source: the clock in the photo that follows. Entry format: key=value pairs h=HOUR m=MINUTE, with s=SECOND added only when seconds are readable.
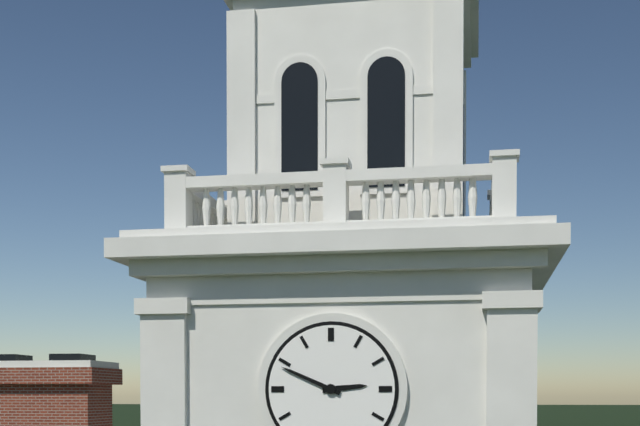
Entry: h=2 m=49
